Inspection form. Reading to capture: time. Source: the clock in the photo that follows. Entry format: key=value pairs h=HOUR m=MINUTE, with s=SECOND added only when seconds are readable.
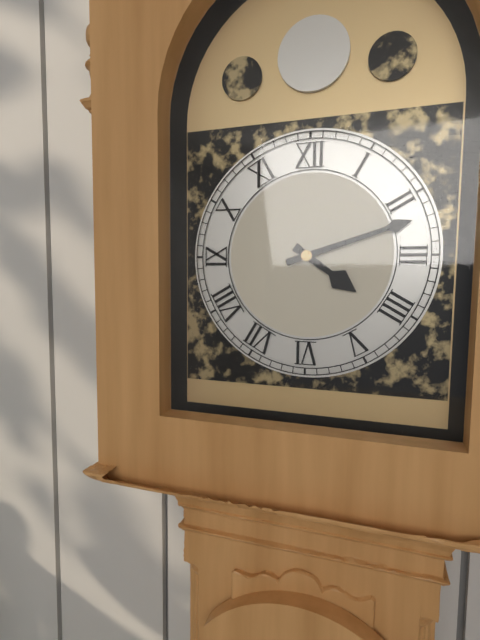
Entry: h=4 m=12
